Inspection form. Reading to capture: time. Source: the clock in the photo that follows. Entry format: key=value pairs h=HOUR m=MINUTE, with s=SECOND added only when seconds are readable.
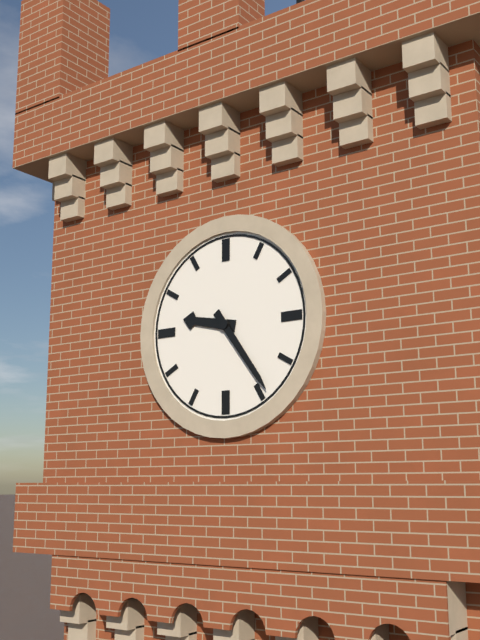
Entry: h=9 m=24
